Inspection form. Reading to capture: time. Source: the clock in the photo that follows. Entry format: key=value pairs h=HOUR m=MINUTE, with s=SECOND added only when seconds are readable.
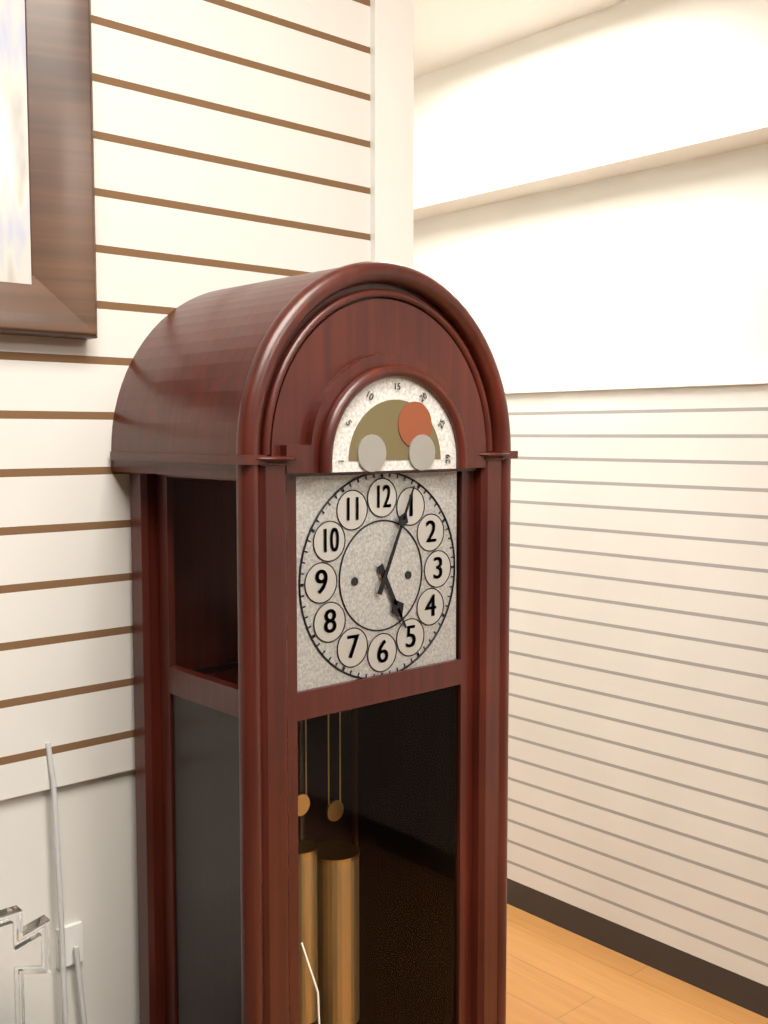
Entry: h=5 m=4
